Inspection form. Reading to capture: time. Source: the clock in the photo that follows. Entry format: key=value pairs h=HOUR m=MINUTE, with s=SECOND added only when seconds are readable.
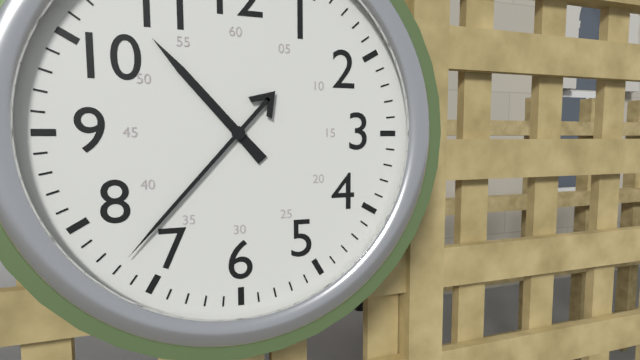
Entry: h=10 m=37
